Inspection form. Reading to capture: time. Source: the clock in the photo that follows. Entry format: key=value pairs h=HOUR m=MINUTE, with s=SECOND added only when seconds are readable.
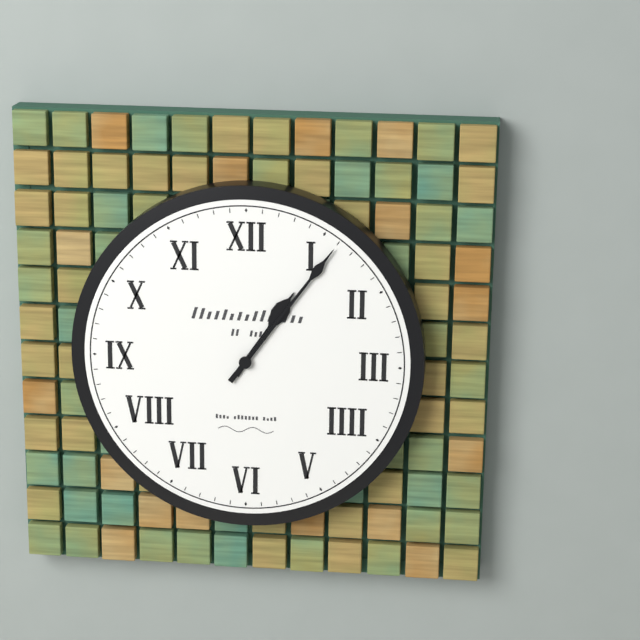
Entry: h=1 m=6
